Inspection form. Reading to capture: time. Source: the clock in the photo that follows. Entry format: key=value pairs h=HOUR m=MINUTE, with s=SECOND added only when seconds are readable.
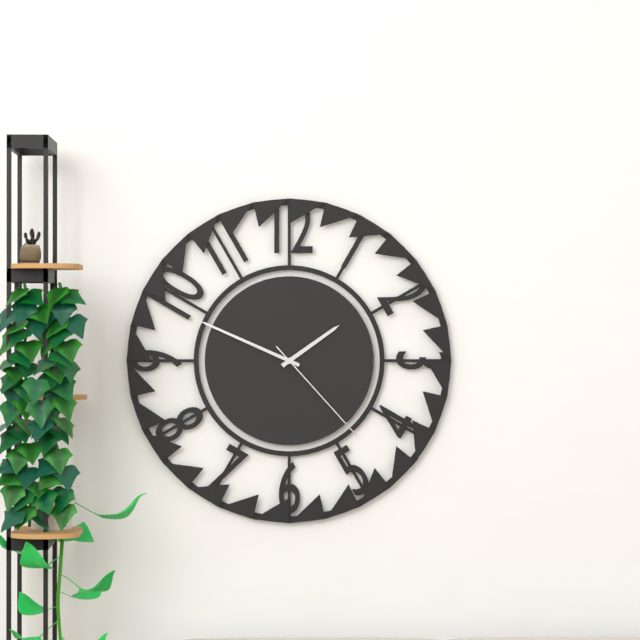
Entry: h=1 m=49 s=23
